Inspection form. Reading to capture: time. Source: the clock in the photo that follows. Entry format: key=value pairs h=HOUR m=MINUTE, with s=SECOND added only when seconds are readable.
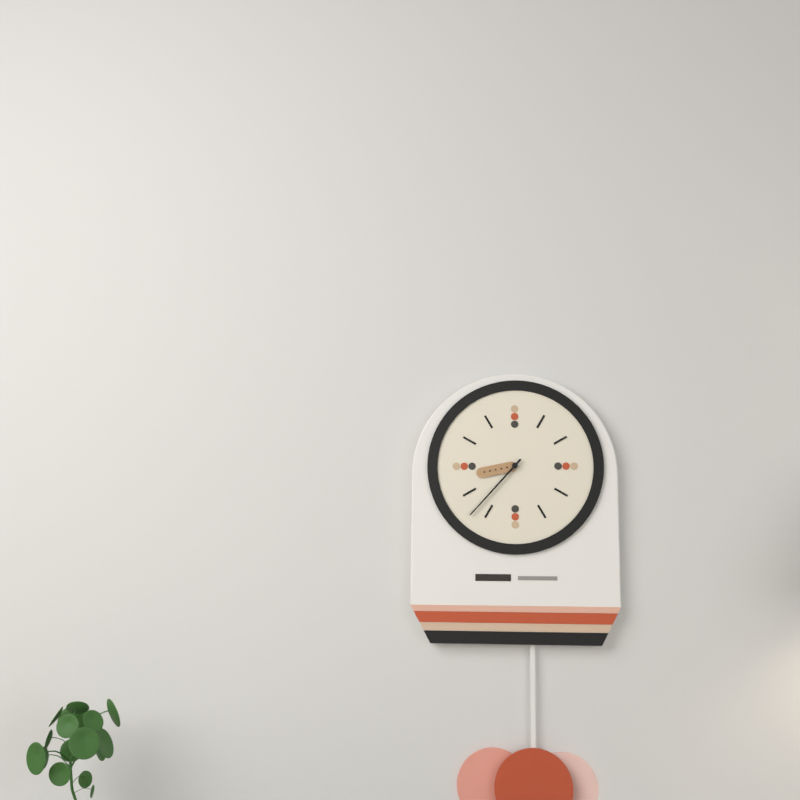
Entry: h=8 m=37
